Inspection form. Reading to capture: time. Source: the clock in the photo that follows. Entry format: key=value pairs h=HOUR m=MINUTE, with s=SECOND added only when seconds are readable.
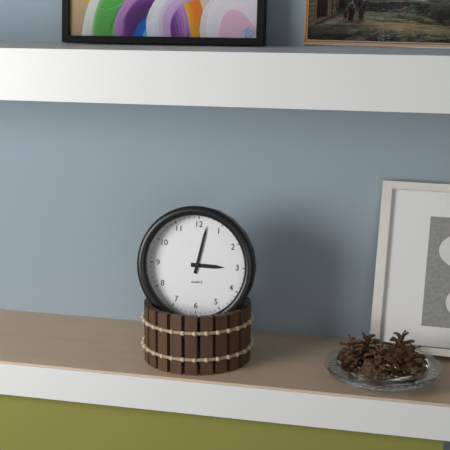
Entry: h=3 m=2
